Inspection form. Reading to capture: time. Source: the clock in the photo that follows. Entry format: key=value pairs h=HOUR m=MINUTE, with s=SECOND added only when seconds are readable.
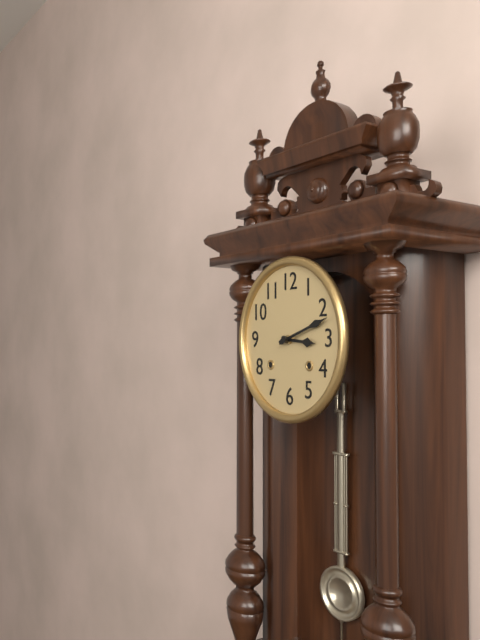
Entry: h=3 m=12
